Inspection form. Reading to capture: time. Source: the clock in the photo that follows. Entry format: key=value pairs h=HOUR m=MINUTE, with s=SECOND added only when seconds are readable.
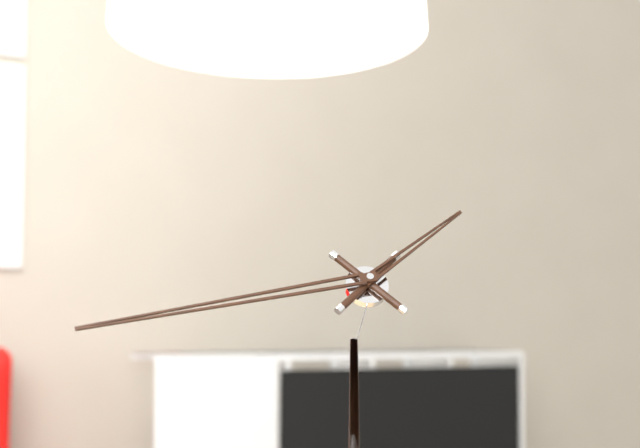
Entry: h=1 m=43
